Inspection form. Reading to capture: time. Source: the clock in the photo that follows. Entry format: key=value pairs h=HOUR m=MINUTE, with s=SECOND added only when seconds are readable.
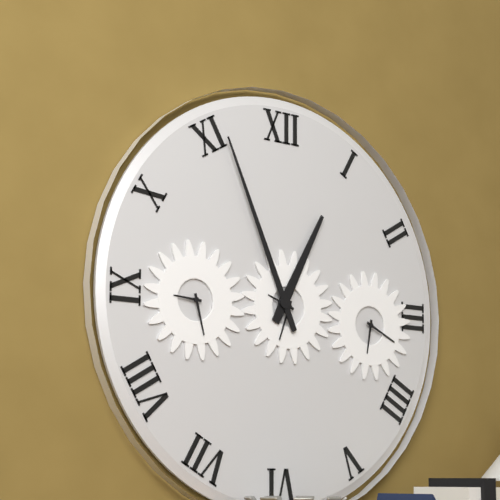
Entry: h=12 m=56
